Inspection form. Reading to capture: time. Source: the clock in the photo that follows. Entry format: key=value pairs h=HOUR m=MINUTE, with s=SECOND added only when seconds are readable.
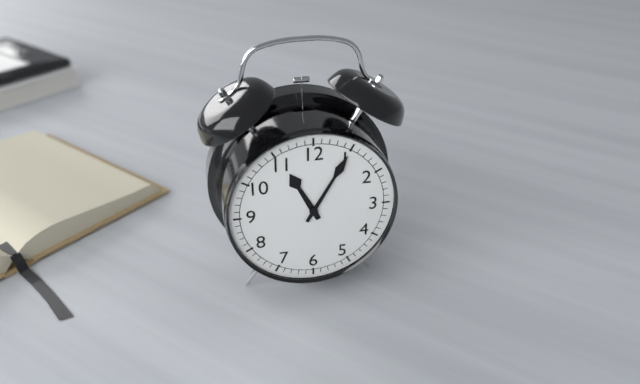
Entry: h=11 m=5
